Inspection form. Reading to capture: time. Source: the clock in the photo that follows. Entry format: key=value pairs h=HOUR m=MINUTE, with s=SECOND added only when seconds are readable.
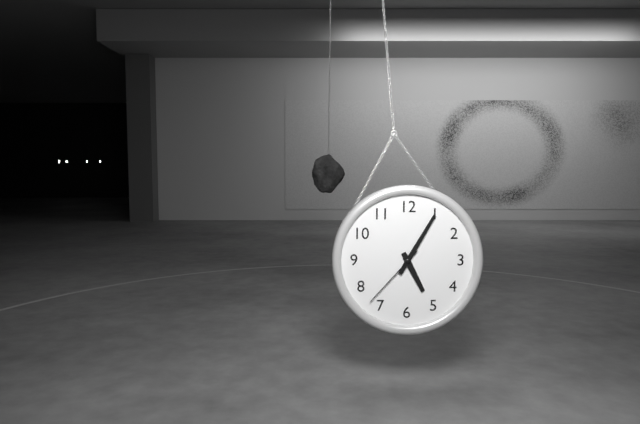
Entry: h=5 m=5 s=37
